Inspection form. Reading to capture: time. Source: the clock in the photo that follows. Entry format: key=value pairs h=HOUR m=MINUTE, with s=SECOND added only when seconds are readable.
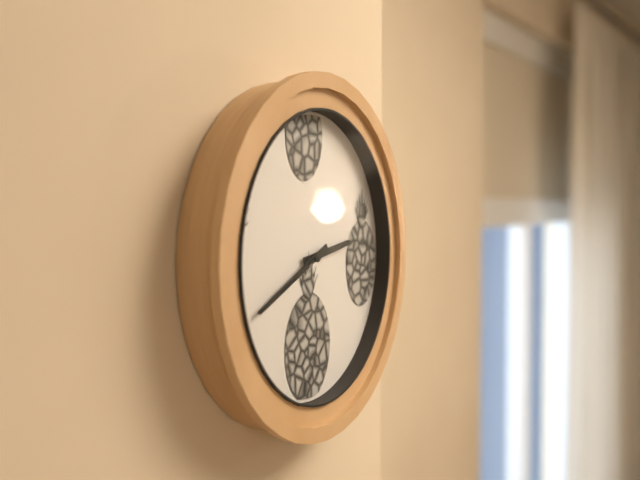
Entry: h=2 m=41
